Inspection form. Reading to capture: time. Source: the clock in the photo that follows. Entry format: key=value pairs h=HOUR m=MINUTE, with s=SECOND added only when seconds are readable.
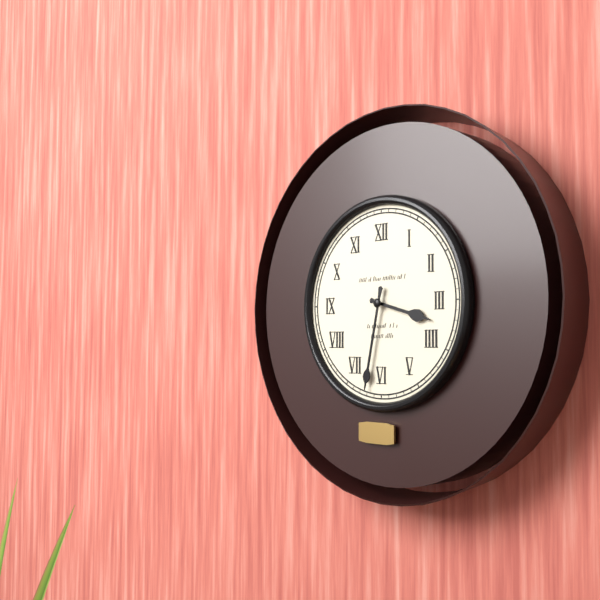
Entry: h=3 m=32
